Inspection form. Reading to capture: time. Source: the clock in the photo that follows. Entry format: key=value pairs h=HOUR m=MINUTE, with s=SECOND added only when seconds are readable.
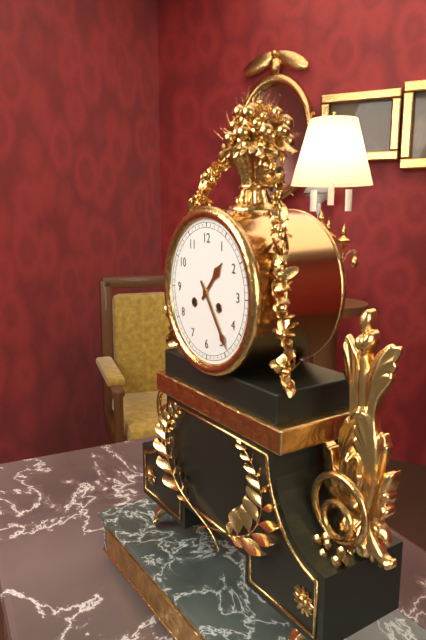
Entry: h=1 m=24
